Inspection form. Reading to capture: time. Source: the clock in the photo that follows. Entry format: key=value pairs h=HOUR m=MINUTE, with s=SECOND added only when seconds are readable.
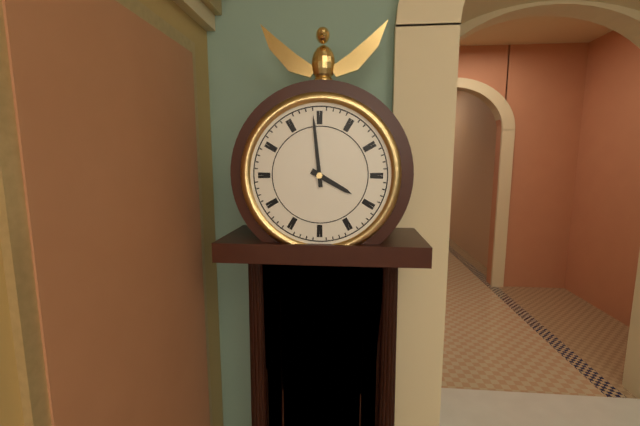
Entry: h=3 m=59
